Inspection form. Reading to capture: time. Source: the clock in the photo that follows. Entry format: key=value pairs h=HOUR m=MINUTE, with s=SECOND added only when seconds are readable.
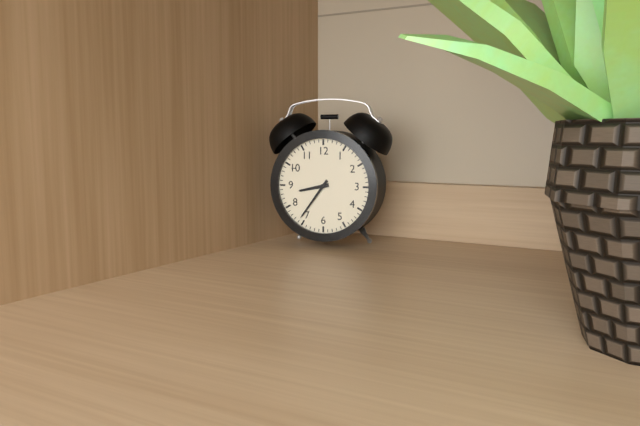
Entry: h=8 m=36
